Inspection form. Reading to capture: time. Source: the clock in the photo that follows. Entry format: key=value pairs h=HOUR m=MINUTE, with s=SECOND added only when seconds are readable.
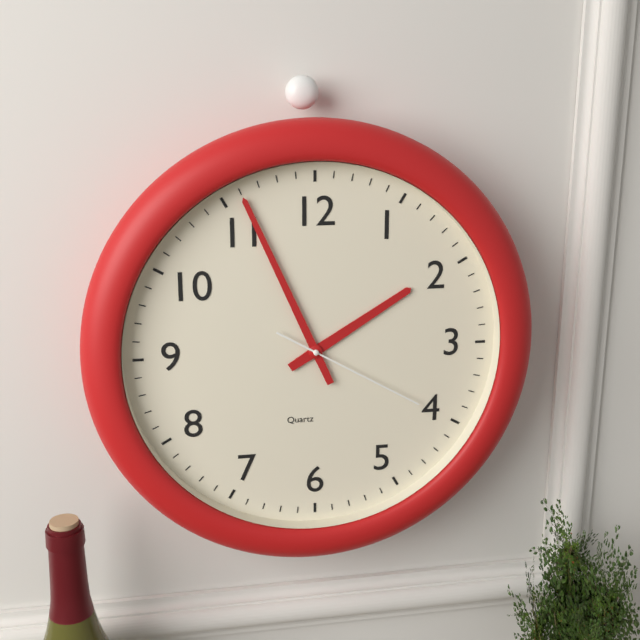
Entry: h=1 m=56 s=20
